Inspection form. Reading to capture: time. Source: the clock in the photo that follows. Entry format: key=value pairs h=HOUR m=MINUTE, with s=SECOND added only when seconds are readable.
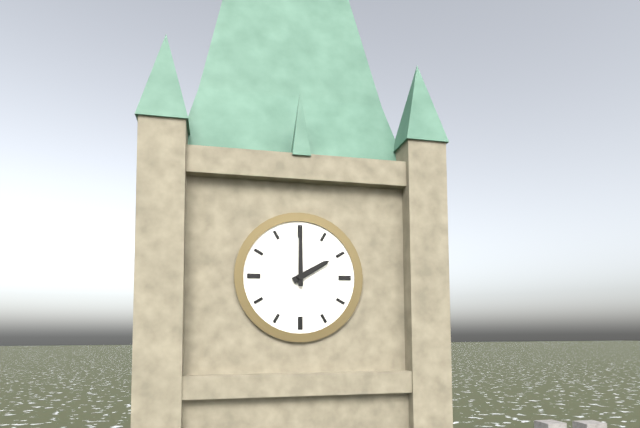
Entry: h=2 m=0
